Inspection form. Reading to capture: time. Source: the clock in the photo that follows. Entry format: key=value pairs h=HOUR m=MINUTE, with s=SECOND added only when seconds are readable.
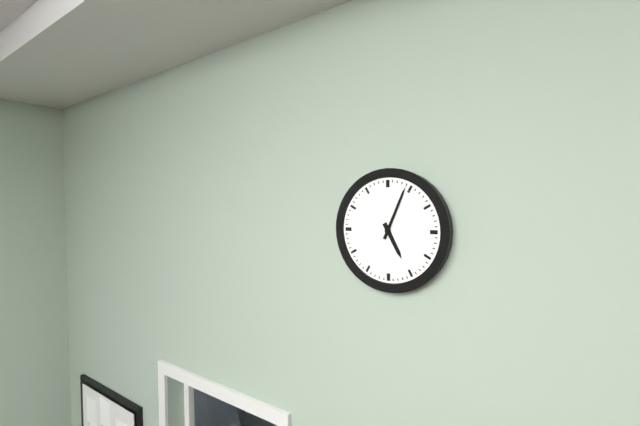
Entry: h=5 m=4
